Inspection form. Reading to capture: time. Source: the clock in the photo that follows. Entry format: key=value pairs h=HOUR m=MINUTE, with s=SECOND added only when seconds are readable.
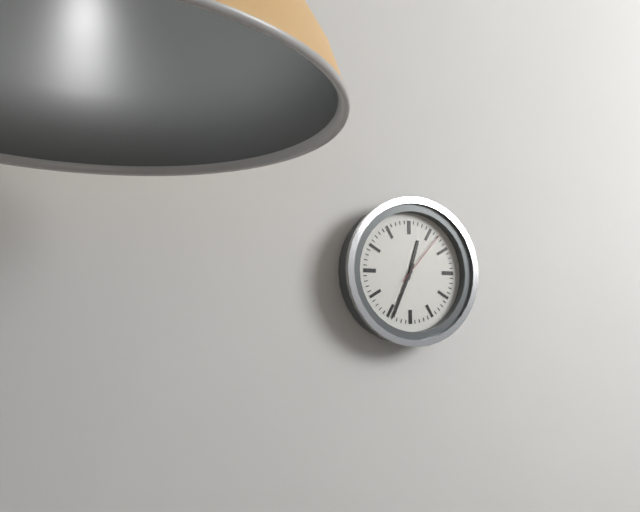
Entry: h=12 m=34 s=7
